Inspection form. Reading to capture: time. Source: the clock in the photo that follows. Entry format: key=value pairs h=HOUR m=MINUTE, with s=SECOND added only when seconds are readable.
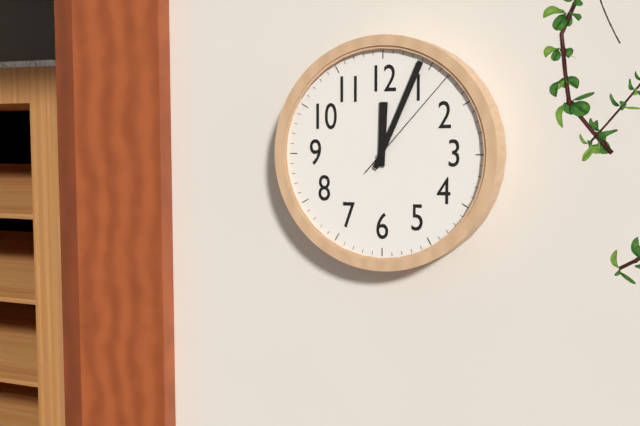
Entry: h=12 m=4 s=7
